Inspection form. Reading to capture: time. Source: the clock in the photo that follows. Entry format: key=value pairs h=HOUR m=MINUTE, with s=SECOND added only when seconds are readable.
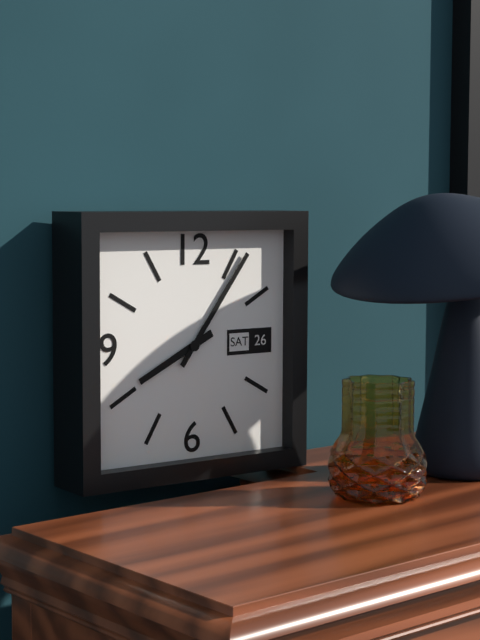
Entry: h=8 m=6
